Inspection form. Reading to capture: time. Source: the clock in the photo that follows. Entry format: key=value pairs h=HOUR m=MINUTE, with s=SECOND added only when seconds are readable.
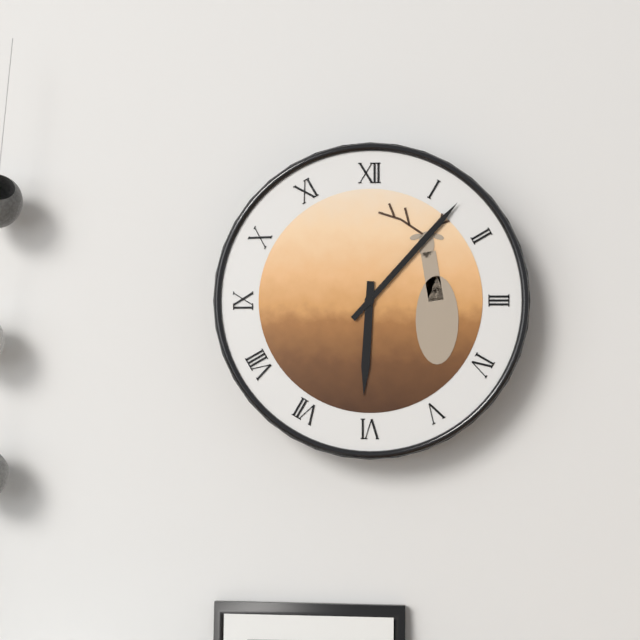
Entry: h=6 m=7
